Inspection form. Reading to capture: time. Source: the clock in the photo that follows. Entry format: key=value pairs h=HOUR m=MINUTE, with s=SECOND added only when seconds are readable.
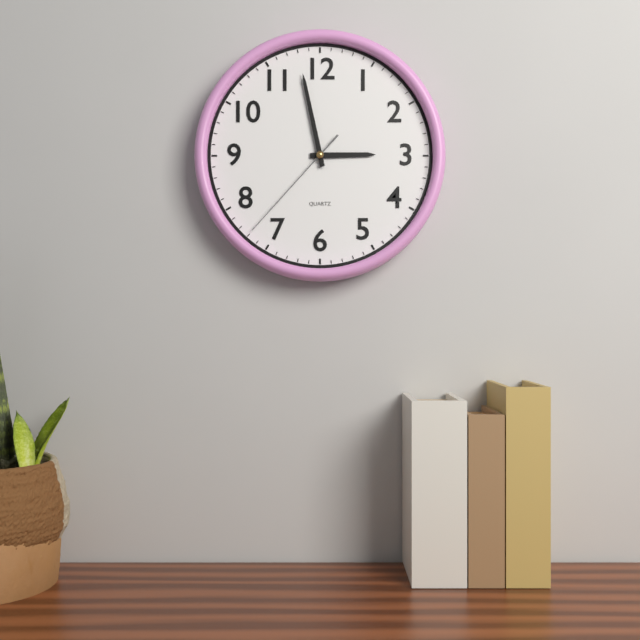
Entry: h=2 m=58 s=37
